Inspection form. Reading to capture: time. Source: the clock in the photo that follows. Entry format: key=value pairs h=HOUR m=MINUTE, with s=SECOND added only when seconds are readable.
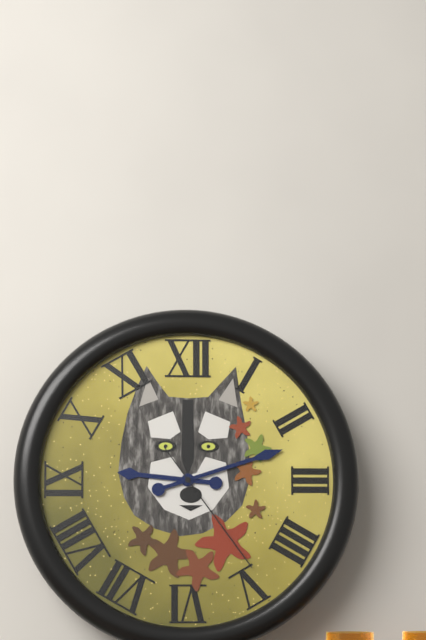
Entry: h=9 m=12 s=24
